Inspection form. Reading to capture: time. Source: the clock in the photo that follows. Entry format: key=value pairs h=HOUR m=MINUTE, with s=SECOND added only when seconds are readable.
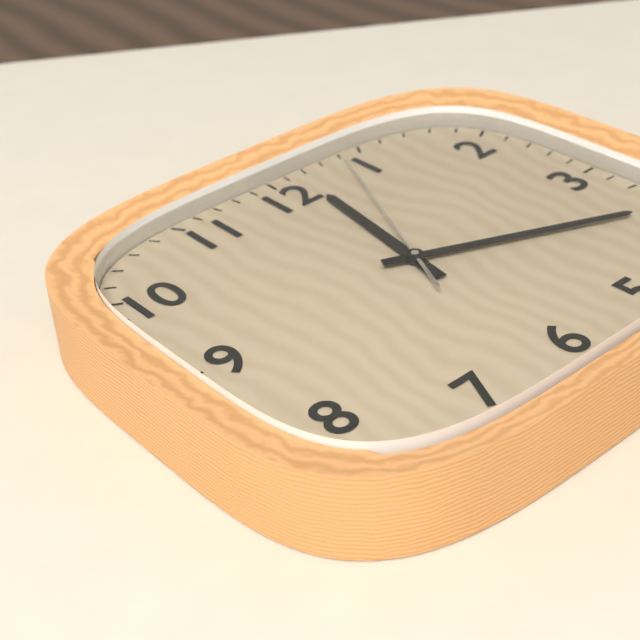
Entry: h=12 m=19 s=4
